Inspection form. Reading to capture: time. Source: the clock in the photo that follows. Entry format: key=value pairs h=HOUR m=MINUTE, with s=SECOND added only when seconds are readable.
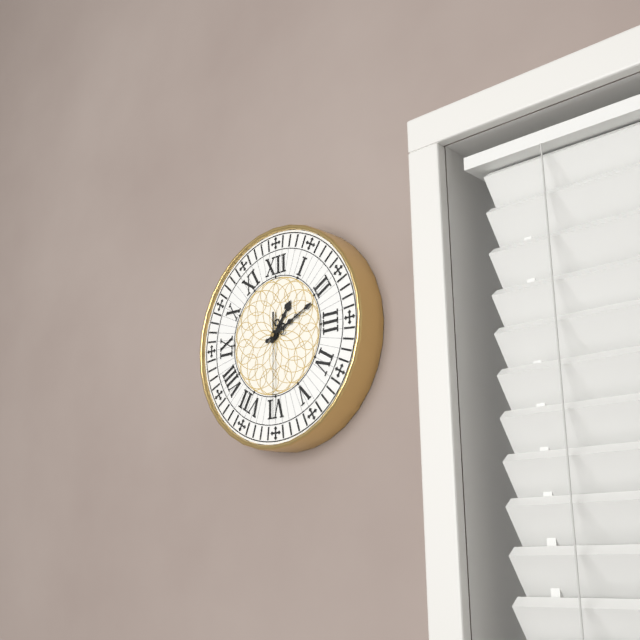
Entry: h=1 m=11 s=30
